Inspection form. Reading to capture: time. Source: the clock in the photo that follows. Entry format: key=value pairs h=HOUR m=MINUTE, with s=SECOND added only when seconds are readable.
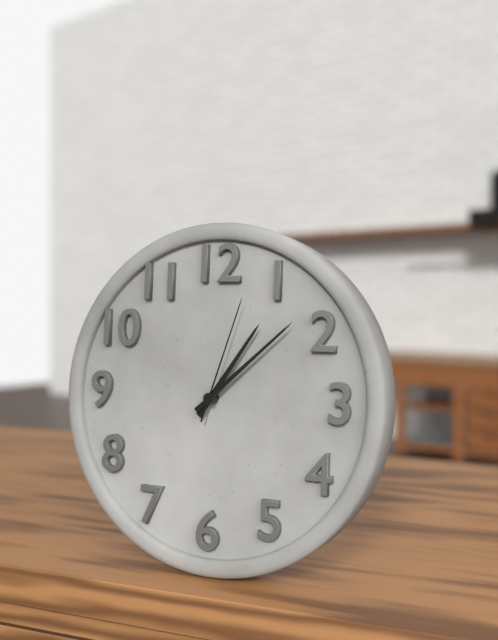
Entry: h=1 m=8 s=3
